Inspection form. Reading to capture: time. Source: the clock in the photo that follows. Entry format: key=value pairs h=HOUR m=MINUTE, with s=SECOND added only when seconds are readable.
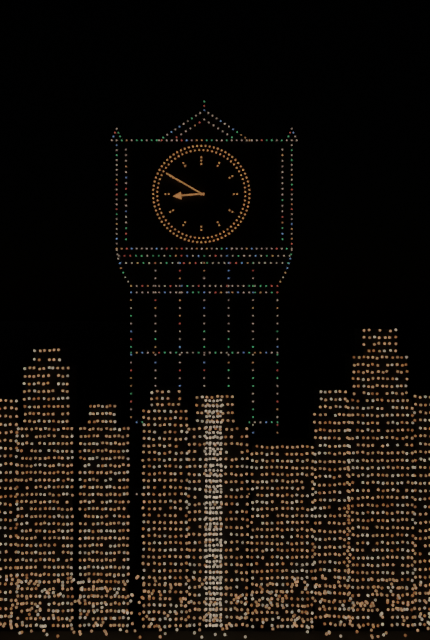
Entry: h=8 m=50
